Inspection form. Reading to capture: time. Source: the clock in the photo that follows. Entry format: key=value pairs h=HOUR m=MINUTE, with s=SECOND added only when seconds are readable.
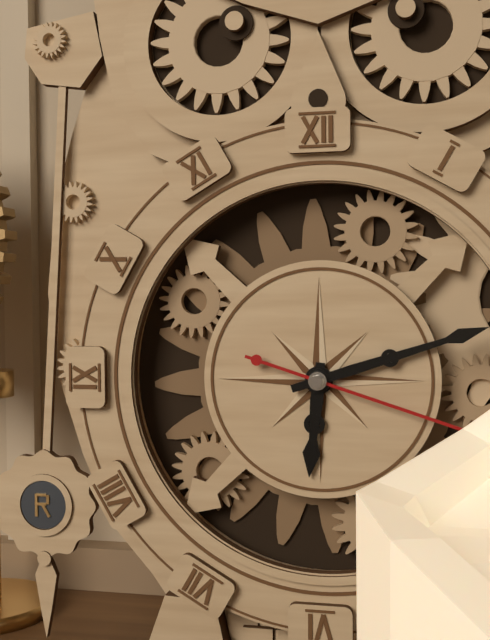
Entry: h=6 m=12
